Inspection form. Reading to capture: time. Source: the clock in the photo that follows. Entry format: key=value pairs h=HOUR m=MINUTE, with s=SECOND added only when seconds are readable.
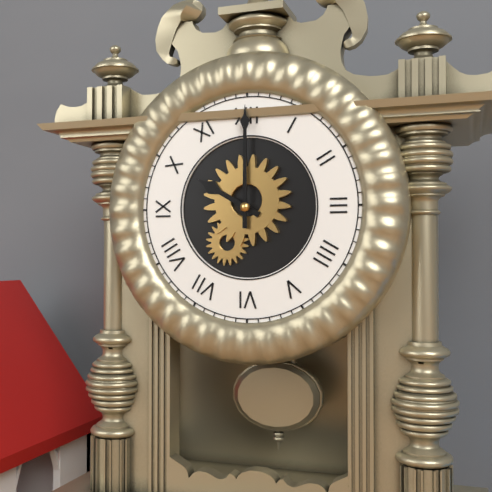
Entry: h=10 m=0
